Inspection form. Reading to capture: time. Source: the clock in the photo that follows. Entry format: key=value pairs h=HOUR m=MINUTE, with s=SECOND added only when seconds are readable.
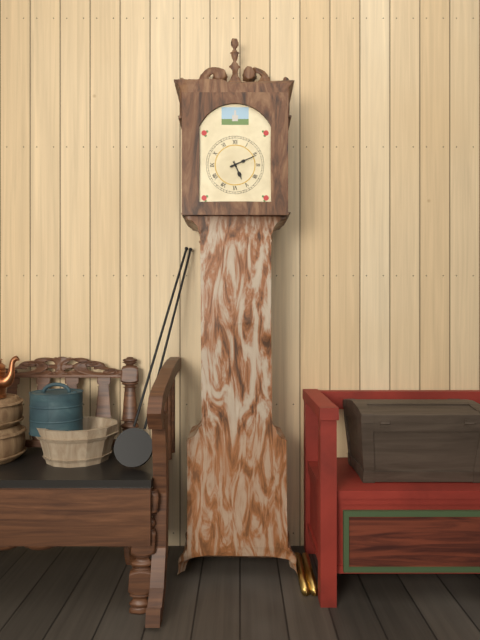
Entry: h=5 m=11
